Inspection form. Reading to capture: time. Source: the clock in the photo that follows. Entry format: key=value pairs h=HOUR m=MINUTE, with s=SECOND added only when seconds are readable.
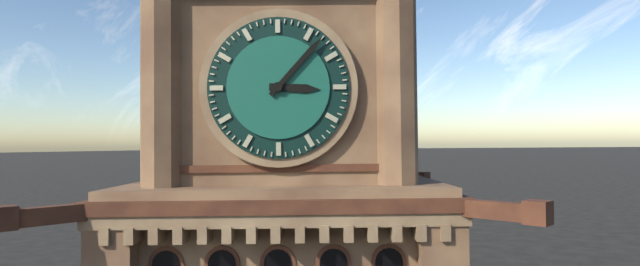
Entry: h=3 m=7
